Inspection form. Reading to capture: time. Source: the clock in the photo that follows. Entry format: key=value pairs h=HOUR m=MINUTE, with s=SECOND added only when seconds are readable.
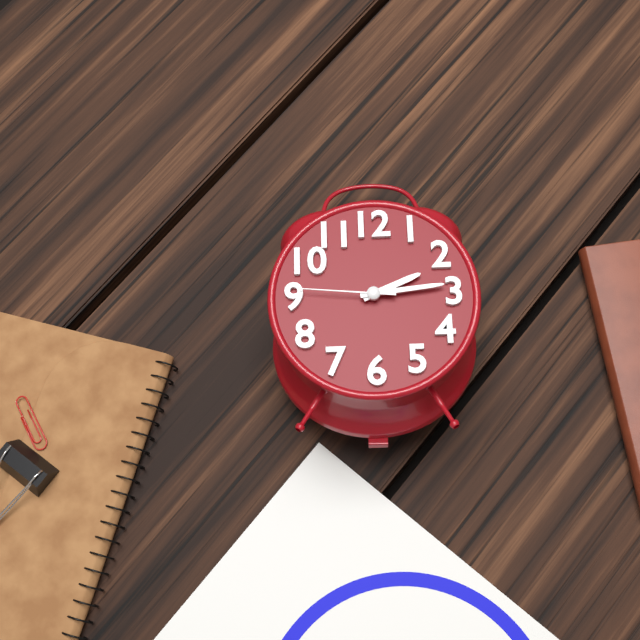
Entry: h=2 m=14 s=46
